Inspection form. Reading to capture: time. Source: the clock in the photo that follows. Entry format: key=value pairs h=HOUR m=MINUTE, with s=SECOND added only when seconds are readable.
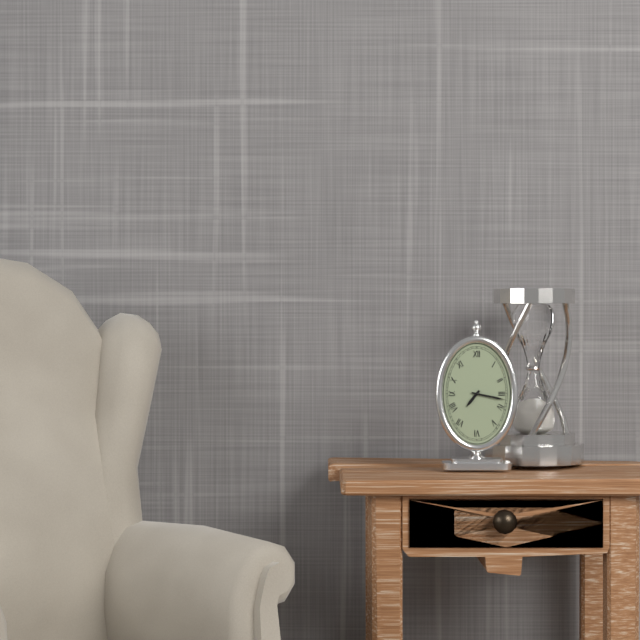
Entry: h=7 m=17
